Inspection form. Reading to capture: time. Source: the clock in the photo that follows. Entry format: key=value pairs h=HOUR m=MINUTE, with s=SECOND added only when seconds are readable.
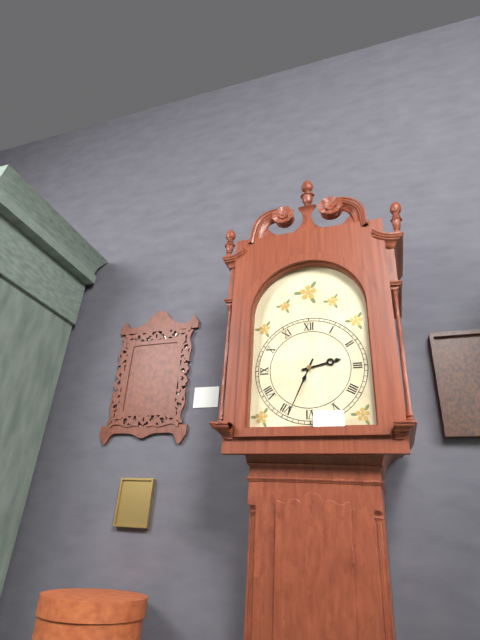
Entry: h=2 m=34
